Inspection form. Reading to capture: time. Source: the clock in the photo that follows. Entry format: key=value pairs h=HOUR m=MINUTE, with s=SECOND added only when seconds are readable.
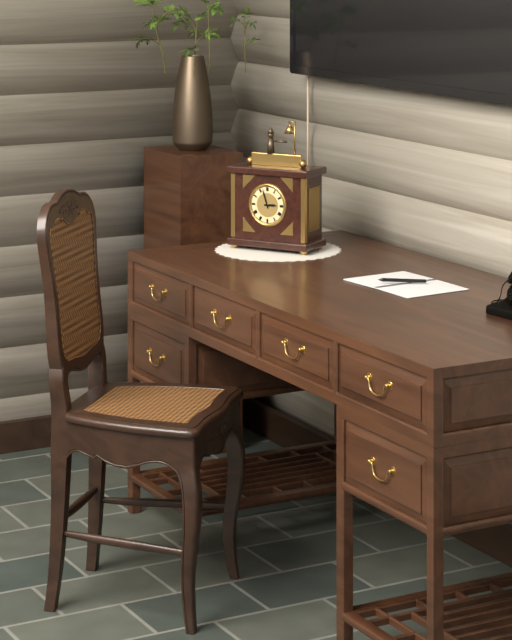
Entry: h=2 m=57
